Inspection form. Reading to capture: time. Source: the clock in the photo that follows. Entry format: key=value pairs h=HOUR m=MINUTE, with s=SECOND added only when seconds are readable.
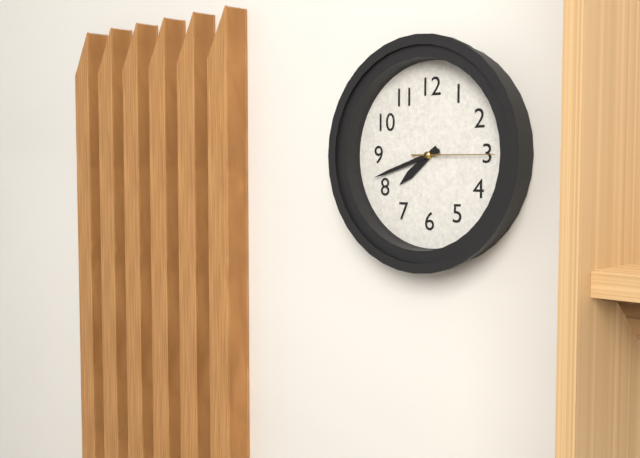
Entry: h=7 m=42 s=15
